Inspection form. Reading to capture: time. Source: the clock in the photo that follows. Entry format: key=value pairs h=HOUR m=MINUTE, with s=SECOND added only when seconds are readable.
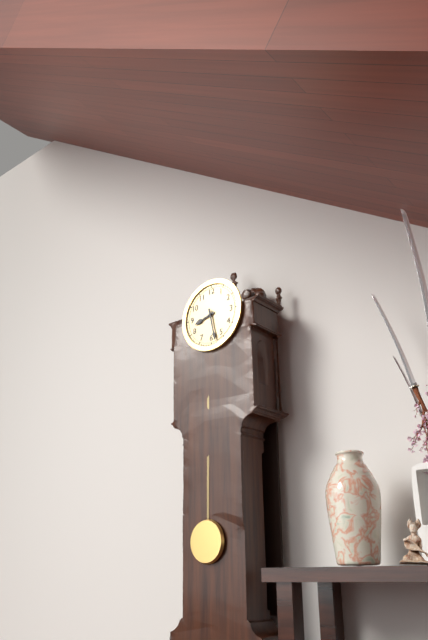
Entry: h=8 m=28
